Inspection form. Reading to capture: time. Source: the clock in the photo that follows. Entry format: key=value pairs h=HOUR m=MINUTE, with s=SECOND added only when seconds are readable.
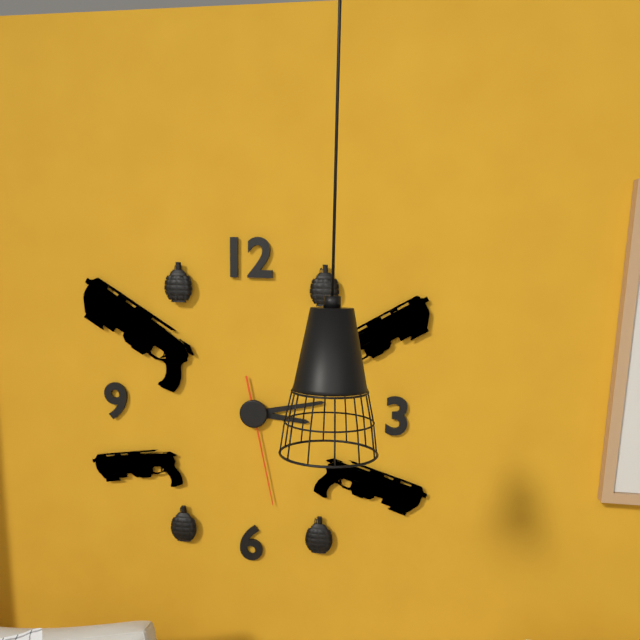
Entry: h=3 m=13 s=28
